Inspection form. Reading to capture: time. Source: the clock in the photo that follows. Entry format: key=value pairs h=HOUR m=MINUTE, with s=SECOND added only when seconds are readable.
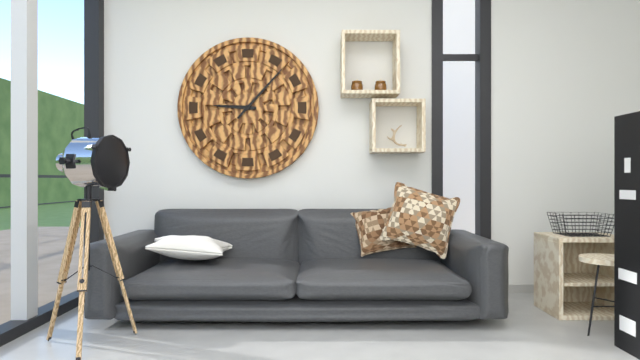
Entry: h=9 m=7
